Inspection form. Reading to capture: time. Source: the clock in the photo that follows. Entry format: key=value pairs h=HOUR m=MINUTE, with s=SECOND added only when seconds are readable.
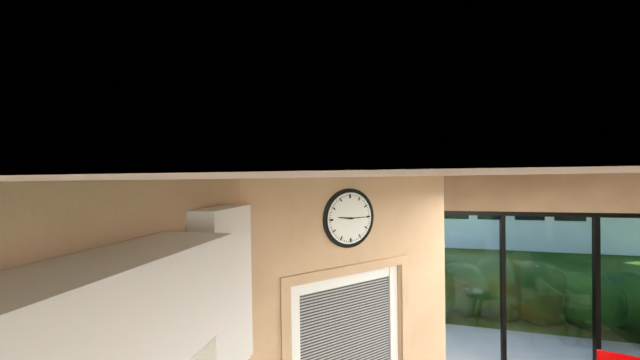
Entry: h=9 m=15
